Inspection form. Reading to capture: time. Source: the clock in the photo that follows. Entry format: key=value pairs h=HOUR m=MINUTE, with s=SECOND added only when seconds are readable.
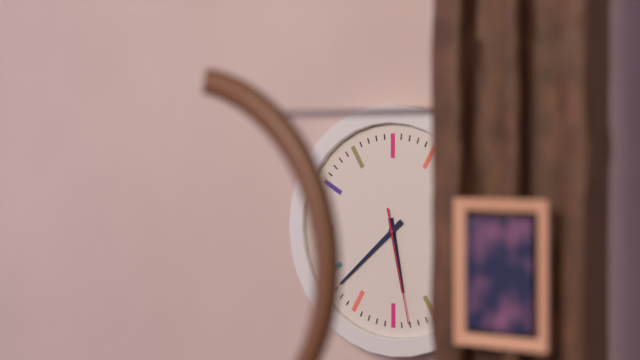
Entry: h=5 m=38 s=28
